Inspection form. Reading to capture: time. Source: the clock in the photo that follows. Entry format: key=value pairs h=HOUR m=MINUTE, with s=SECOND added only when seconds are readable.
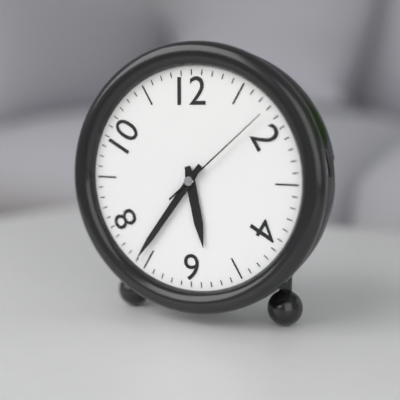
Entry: h=5 m=36 s=8
